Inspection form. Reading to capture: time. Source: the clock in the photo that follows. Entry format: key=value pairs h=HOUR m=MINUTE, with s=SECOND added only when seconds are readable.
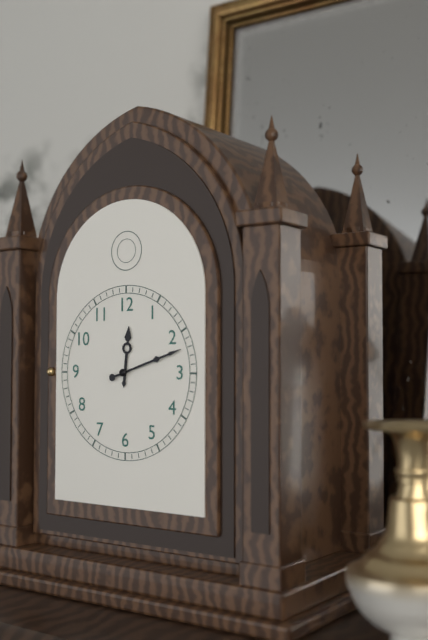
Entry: h=12 m=12
